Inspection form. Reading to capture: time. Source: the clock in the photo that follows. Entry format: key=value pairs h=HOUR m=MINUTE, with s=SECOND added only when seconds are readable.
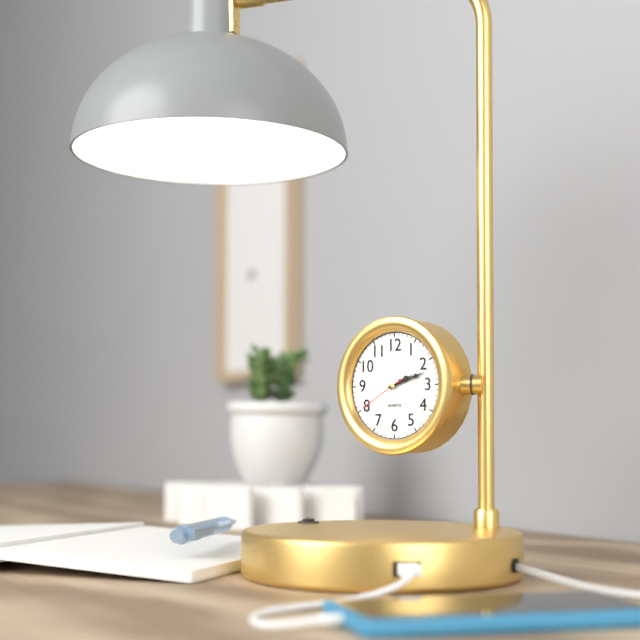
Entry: h=2 m=12
